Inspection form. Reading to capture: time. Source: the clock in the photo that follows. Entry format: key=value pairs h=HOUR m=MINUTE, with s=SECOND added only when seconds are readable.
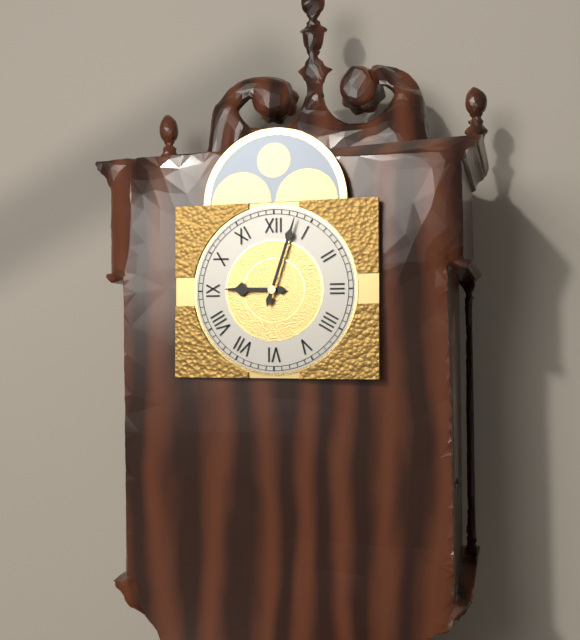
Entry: h=9 m=3
